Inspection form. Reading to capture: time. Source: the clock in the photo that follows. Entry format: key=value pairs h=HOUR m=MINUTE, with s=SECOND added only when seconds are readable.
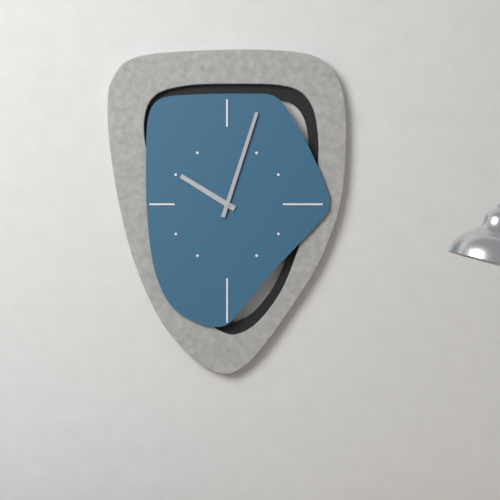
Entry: h=10 m=3
